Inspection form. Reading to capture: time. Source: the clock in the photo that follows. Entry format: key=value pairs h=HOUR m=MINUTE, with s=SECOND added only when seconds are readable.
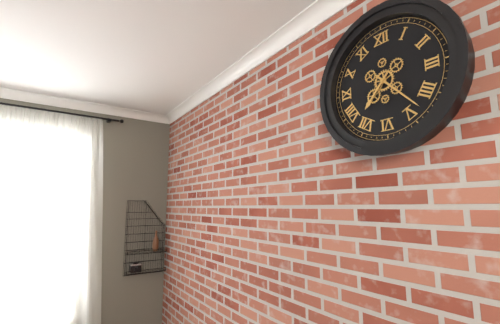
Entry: h=7 m=23
